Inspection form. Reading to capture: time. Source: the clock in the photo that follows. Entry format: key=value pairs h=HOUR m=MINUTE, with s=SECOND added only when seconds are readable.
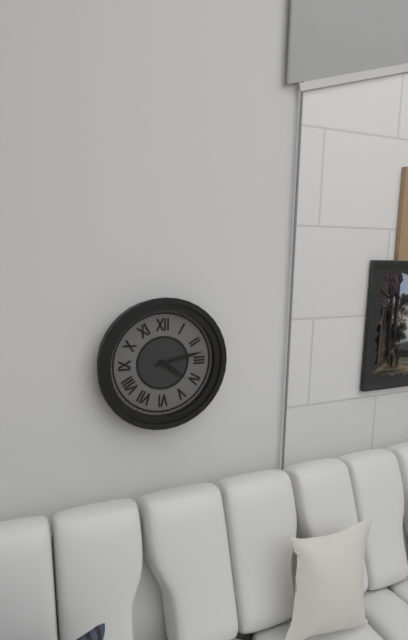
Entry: h=4 m=13
